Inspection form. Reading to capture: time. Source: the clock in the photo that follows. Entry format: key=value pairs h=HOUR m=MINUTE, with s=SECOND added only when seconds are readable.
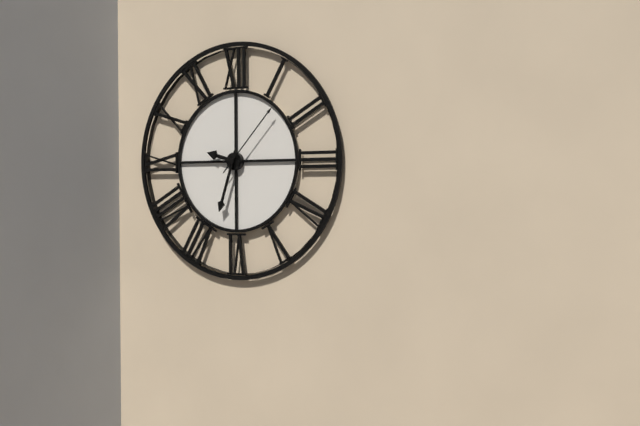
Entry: h=9 m=33 s=7
